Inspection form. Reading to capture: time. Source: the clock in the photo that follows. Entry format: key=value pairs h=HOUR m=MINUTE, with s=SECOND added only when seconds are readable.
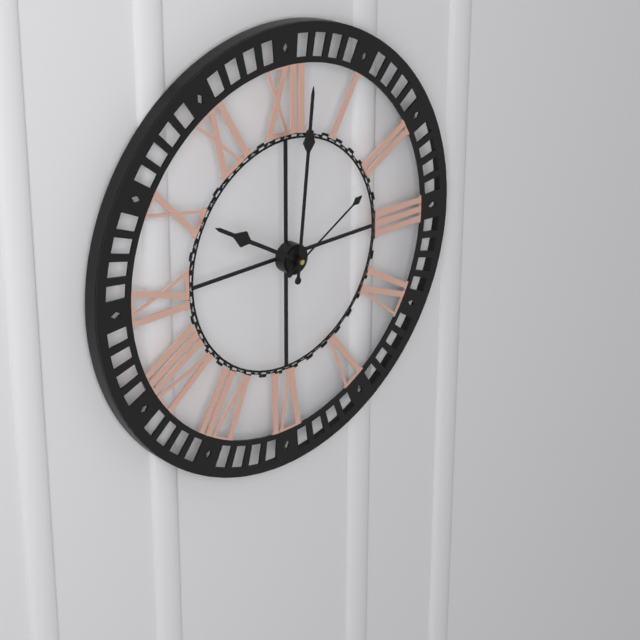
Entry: h=10 m=1 s=10
